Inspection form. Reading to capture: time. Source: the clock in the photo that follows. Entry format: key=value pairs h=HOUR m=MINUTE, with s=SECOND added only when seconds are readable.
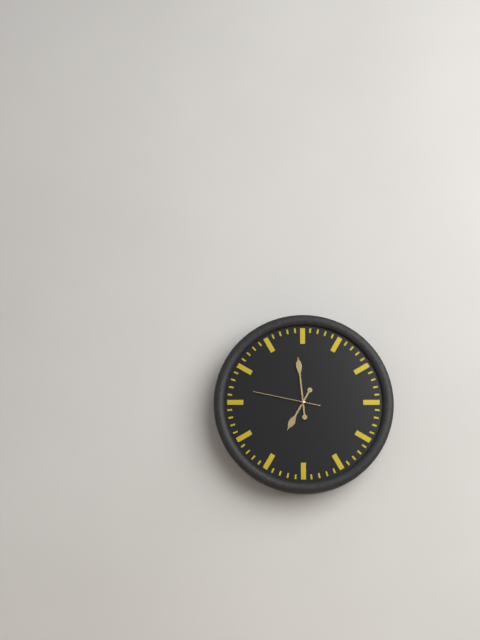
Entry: h=6 m=59 s=47
